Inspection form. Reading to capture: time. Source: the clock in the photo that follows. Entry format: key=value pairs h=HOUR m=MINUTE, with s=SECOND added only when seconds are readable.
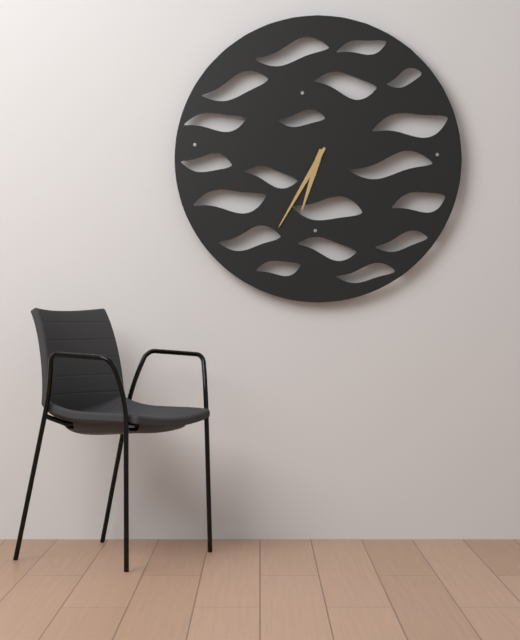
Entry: h=6 m=35
